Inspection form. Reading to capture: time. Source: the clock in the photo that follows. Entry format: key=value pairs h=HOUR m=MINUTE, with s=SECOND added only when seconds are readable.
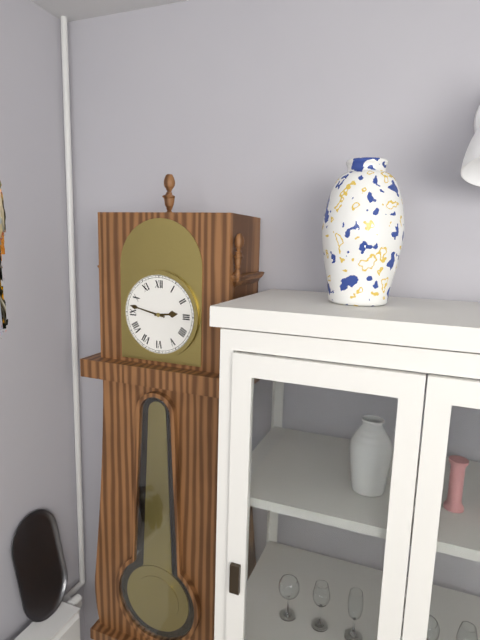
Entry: h=2 m=47
